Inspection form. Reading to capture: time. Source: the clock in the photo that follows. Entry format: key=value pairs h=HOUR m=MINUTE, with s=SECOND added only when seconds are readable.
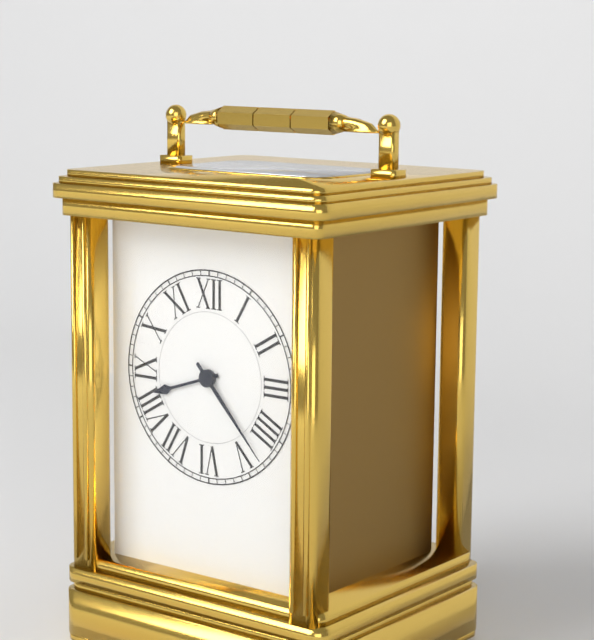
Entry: h=8 m=23
